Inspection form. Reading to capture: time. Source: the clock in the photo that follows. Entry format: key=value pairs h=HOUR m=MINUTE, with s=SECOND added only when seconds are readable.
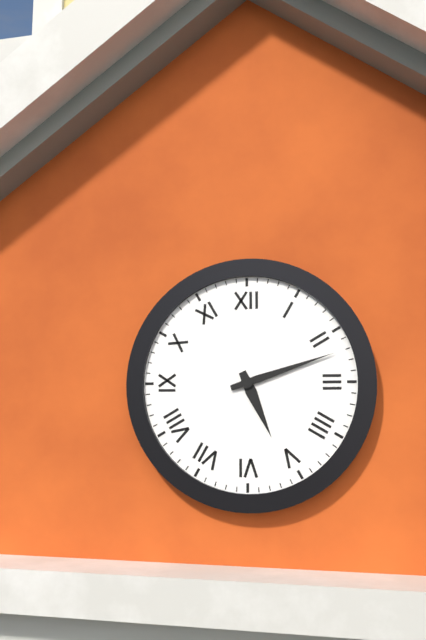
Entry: h=5 m=12
